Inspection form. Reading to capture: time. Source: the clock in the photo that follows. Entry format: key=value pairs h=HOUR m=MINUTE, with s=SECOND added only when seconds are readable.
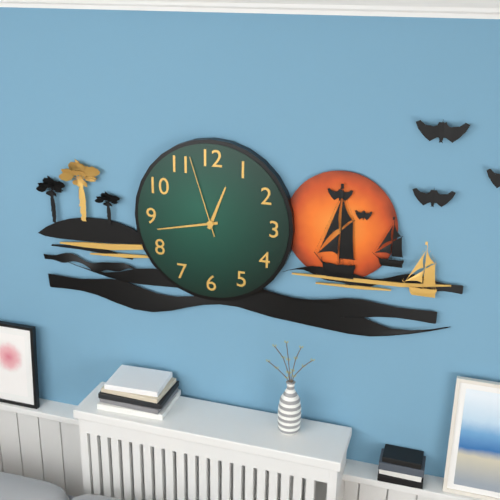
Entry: h=12 m=43 s=57
